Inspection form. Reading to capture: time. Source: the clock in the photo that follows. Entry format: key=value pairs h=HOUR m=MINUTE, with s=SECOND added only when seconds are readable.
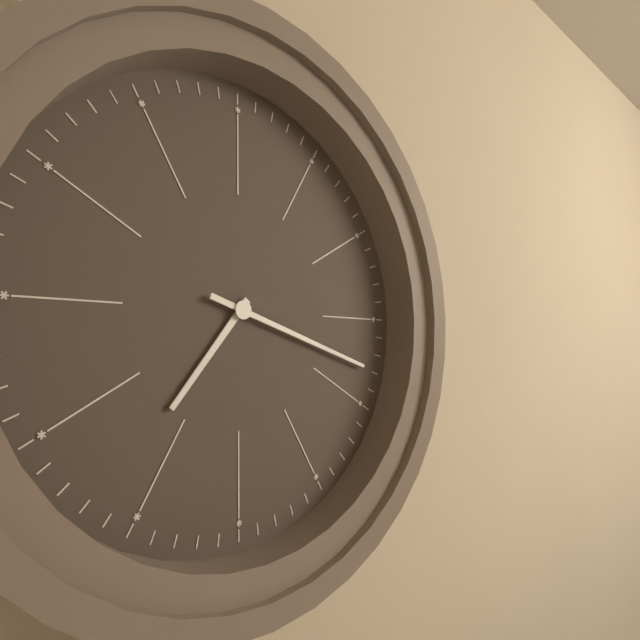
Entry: h=7 m=18
